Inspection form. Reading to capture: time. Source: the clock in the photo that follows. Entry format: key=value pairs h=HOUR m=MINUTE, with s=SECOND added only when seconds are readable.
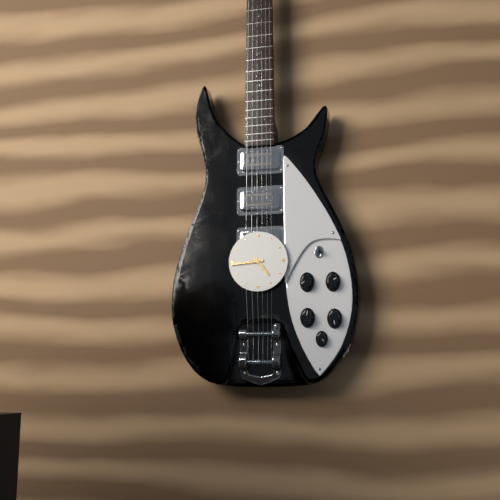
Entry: h=4 m=44
